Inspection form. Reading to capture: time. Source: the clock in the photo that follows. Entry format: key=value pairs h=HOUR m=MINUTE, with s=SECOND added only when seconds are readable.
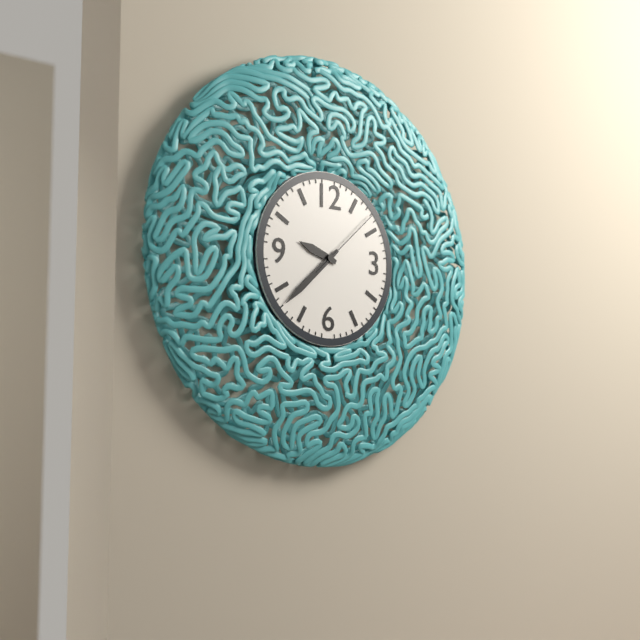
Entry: h=9 m=38 s=8
